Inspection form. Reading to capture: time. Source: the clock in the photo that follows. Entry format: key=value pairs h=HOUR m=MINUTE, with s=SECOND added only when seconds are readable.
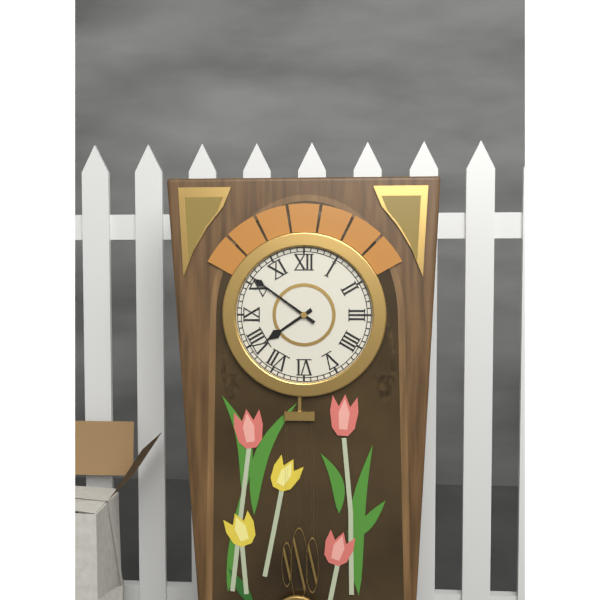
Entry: h=7 m=51
